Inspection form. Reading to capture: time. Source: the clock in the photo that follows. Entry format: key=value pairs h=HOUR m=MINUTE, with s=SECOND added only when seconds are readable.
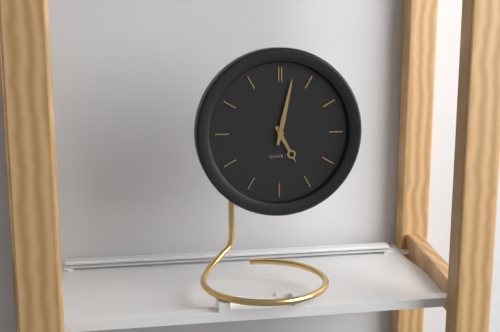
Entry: h=5 m=2
